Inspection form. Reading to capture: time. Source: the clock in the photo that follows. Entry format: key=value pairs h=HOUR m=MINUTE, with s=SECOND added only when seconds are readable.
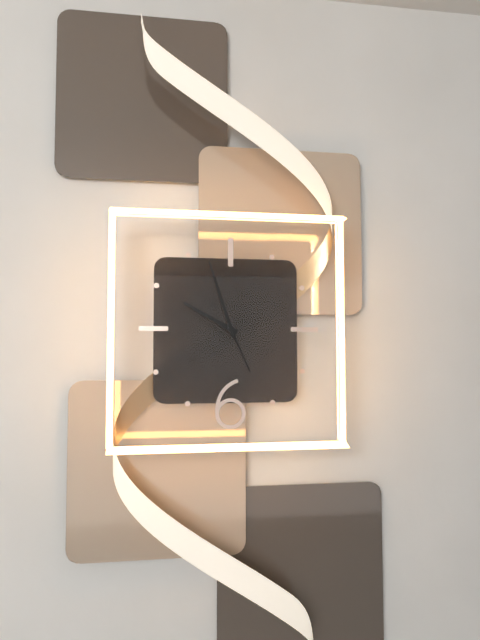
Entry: h=9 m=57 s=26
